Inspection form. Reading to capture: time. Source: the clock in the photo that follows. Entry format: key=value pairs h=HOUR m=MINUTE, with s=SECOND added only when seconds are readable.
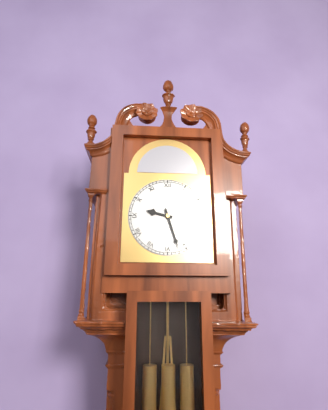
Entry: h=9 m=27
